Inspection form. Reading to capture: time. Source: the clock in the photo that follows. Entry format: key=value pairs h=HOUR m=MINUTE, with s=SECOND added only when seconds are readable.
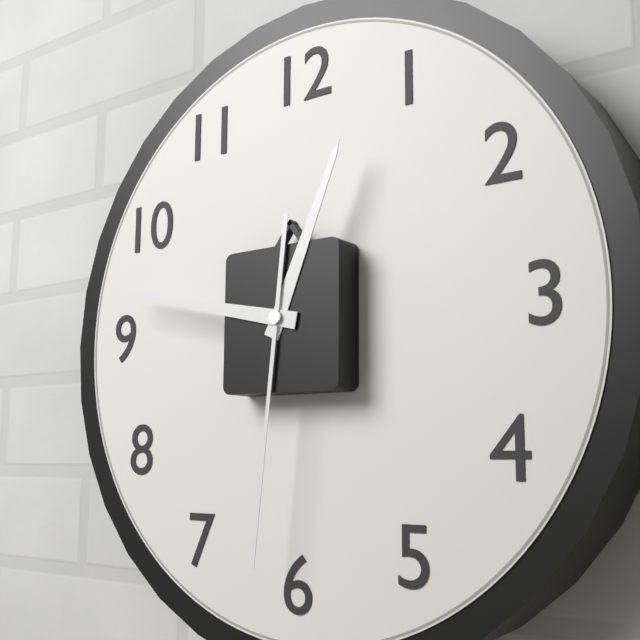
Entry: h=12 m=47 s=31
